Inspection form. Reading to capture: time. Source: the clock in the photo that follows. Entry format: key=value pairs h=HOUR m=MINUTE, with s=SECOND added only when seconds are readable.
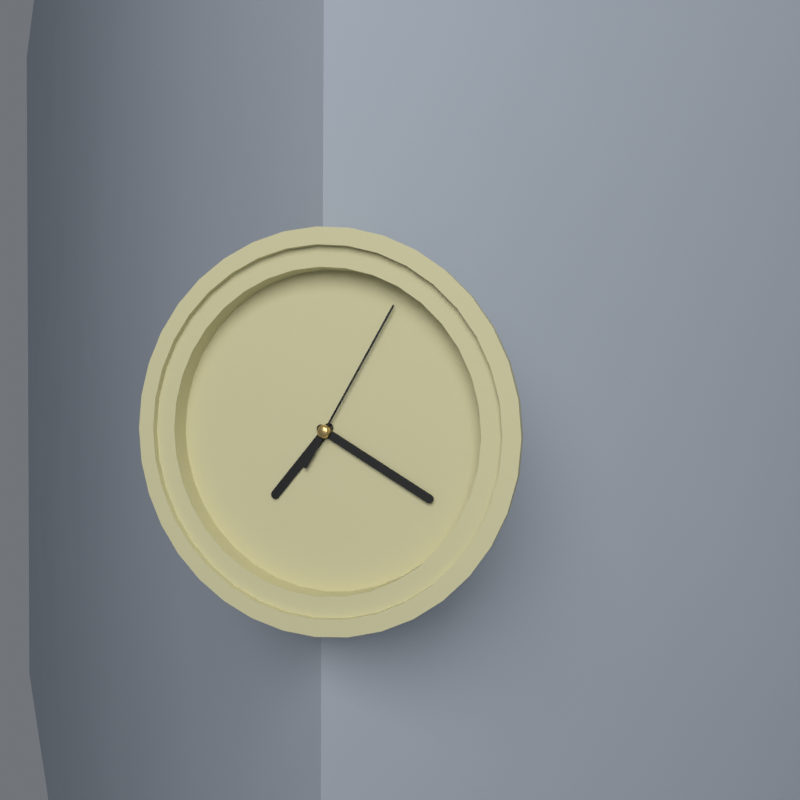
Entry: h=7 m=20 s=5
